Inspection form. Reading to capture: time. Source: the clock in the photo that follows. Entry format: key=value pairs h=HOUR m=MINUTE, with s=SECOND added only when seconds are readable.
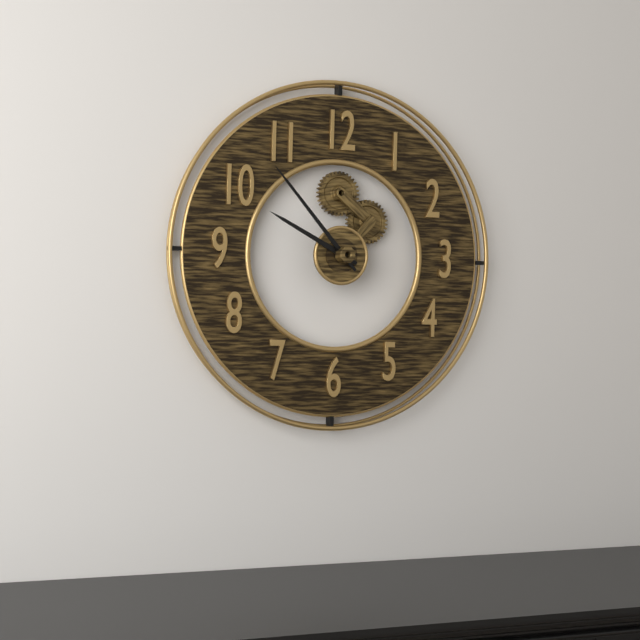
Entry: h=9 m=53
